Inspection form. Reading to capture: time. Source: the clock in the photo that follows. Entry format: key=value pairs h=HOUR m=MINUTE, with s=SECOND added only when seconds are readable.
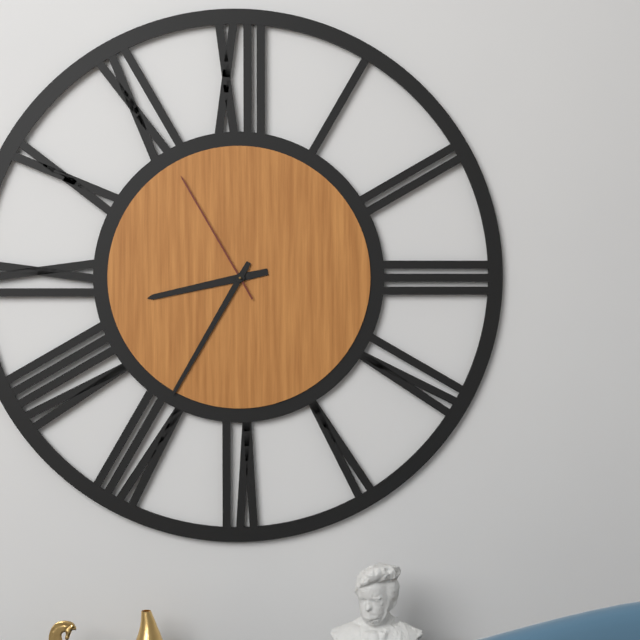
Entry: h=8 m=35 s=55
